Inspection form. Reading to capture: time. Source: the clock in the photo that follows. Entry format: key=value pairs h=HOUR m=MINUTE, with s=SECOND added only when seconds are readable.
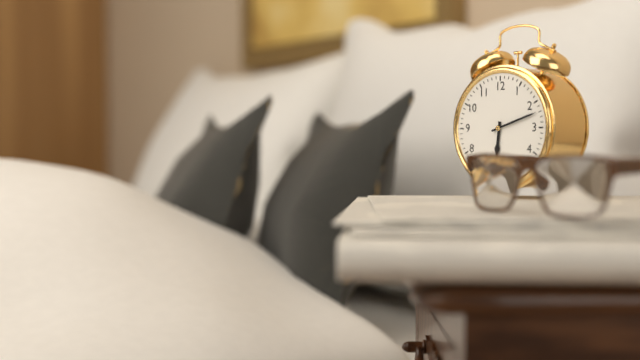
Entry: h=6 m=12
